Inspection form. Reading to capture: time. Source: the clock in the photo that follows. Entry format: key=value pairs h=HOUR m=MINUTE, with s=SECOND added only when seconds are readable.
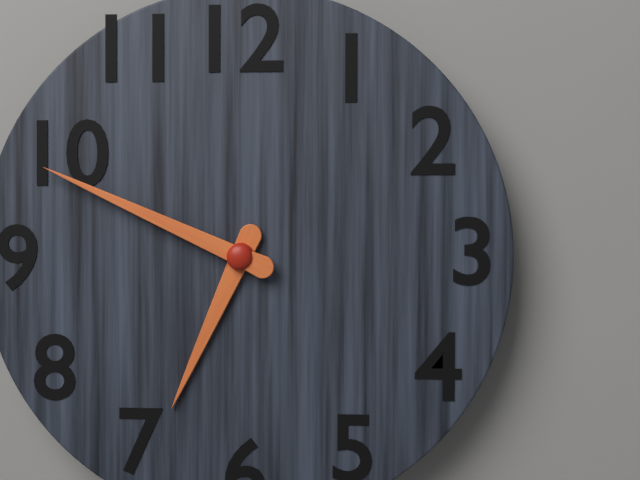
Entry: h=6 m=49
